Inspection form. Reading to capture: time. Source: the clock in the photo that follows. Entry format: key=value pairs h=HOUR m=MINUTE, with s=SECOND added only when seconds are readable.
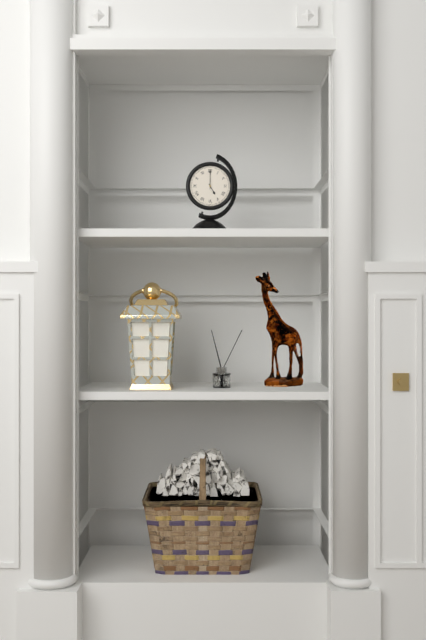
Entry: h=5 m=0
